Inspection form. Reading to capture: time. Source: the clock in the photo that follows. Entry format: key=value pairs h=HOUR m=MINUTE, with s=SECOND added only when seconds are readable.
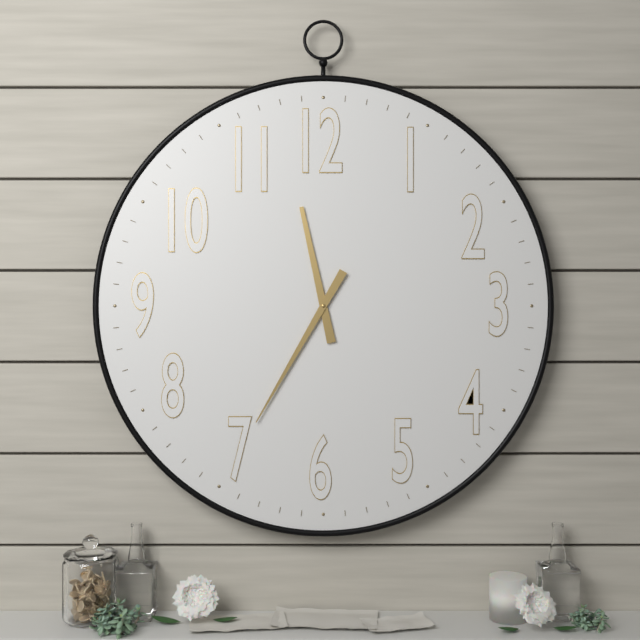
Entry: h=11 m=35
